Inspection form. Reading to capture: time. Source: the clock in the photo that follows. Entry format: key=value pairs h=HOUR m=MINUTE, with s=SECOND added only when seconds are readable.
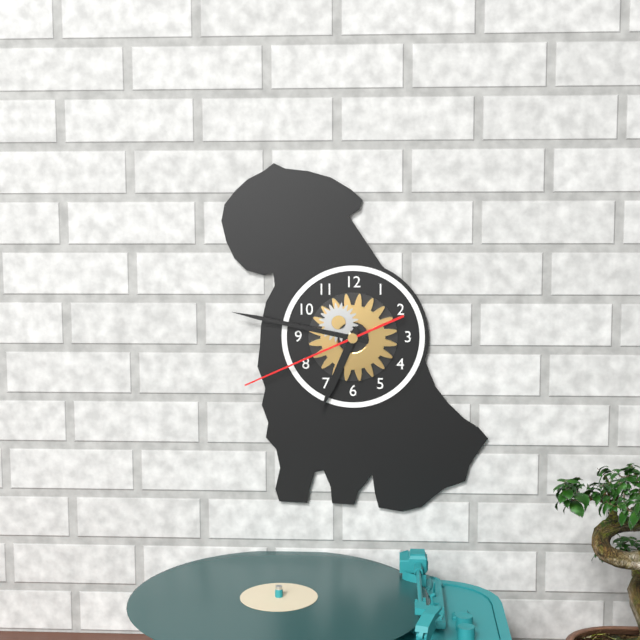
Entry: h=6 m=47 s=41
